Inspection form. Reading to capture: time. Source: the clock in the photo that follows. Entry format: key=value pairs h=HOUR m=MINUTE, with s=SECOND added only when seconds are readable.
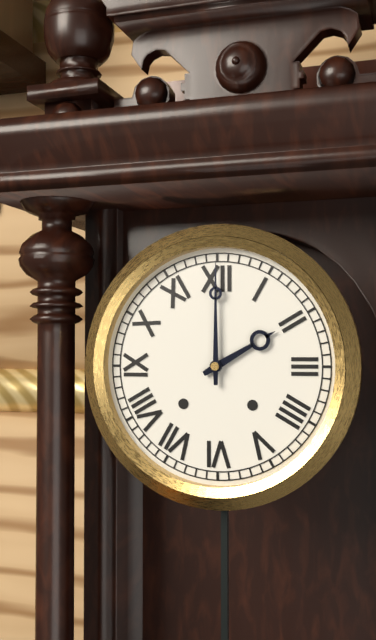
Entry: h=2 m=0
